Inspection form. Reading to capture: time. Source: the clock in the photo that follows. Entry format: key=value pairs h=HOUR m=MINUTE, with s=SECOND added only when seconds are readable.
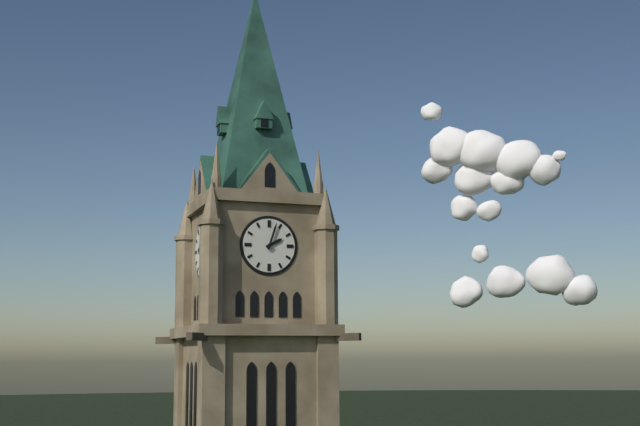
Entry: h=2 m=3
